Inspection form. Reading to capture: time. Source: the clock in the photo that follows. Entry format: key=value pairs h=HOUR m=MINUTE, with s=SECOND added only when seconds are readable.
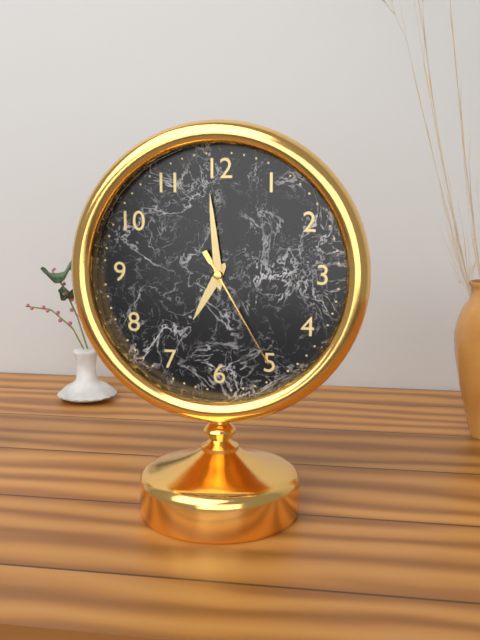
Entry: h=6 m=59 s=25
